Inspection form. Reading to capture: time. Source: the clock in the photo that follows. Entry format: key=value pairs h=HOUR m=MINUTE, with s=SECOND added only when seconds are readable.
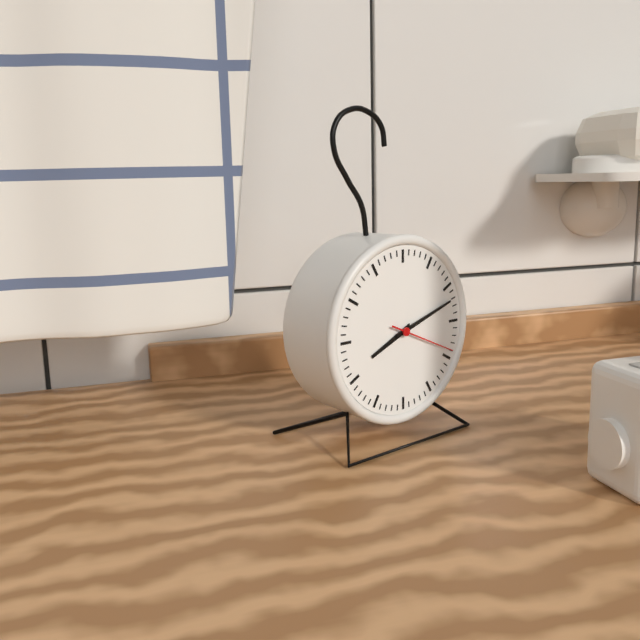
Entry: h=8 m=12 s=19
